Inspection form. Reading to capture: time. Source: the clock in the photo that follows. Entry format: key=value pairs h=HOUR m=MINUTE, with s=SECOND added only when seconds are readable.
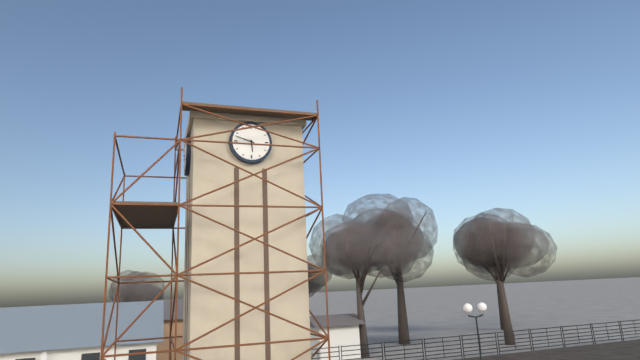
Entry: h=5 m=48
